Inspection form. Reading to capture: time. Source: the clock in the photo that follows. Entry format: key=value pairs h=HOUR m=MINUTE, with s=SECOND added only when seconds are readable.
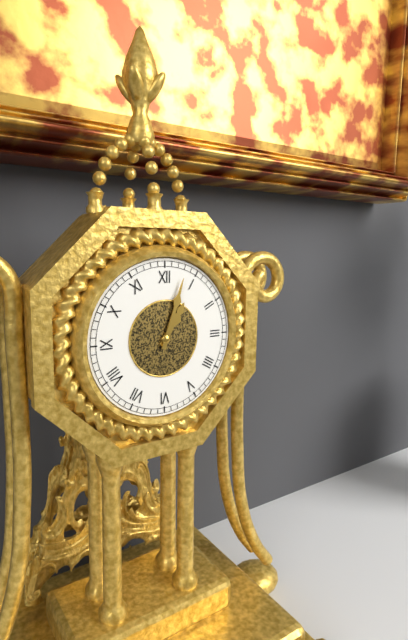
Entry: h=1 m=3
